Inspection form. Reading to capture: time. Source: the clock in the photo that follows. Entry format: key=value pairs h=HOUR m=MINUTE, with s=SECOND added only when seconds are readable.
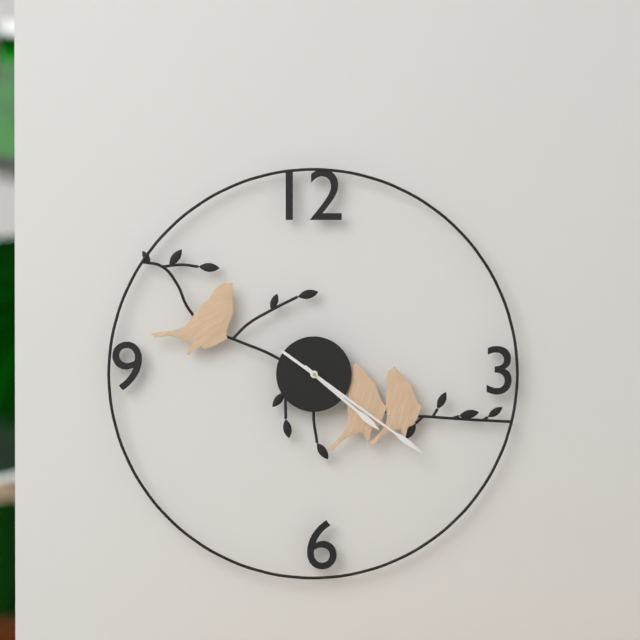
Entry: h=4 m=21
